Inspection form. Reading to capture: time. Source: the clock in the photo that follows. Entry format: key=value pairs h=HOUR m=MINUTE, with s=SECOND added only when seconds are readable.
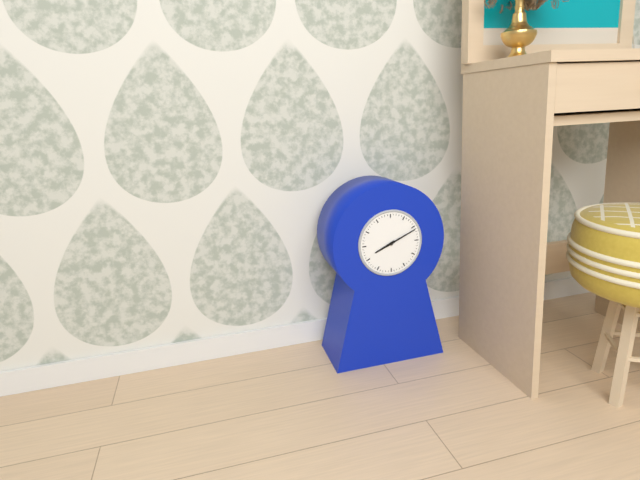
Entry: h=8 m=11
